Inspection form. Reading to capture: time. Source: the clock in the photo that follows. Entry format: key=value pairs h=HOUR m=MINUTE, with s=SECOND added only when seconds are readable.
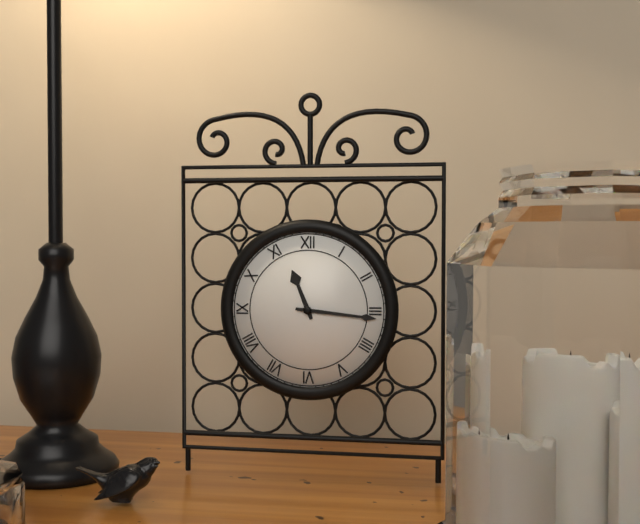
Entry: h=11 m=16
